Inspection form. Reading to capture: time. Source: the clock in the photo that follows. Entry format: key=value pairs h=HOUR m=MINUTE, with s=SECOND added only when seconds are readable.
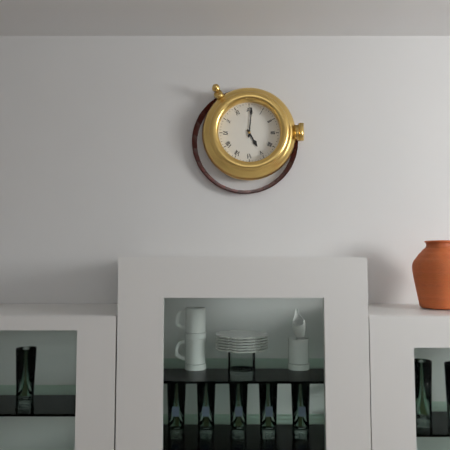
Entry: h=5 m=1
